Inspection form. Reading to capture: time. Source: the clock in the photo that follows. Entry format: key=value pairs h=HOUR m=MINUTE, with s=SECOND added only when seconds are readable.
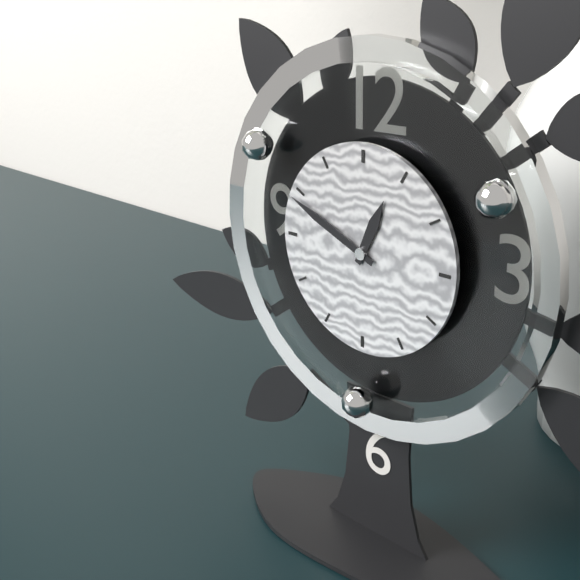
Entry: h=12 m=49
